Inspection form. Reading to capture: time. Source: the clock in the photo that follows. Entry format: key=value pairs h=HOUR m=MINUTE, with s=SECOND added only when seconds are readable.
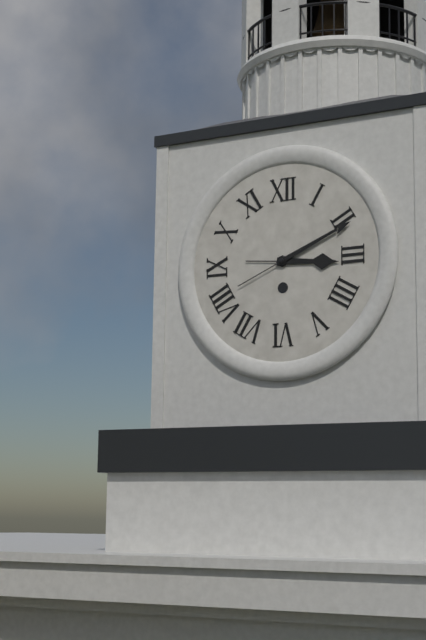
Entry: h=3 m=11
